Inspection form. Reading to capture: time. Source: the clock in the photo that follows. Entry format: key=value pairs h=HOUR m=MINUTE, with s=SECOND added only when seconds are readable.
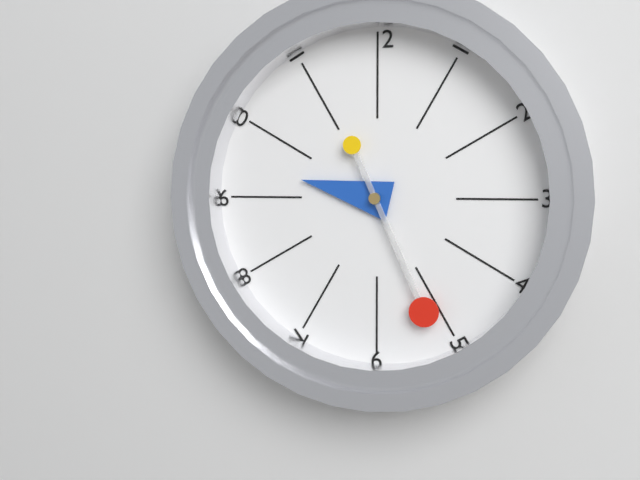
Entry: h=9 m=26
